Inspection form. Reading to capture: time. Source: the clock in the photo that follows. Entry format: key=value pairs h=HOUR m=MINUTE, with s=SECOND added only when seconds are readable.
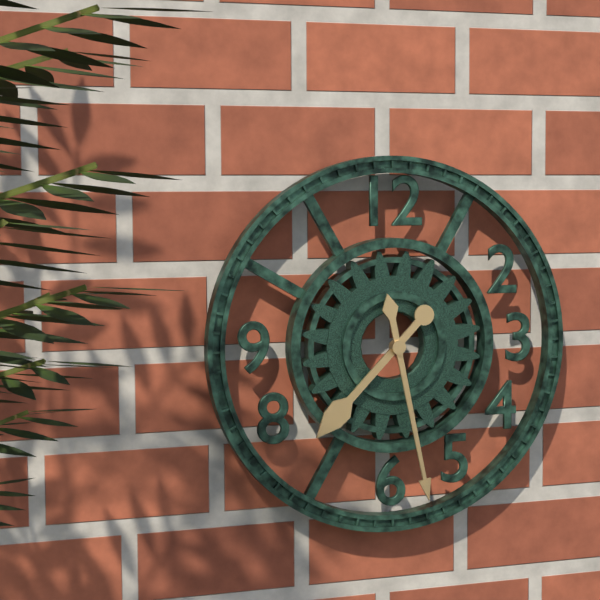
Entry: h=7 m=28
